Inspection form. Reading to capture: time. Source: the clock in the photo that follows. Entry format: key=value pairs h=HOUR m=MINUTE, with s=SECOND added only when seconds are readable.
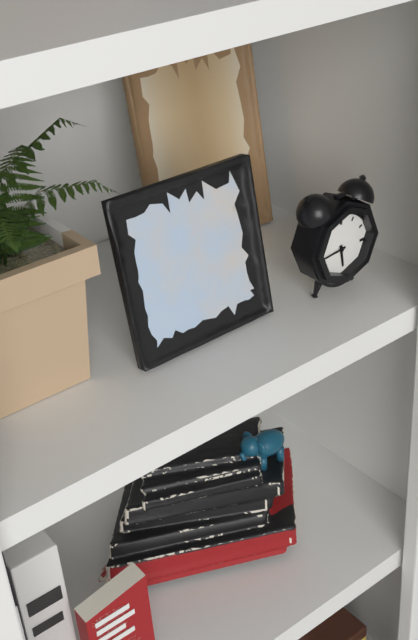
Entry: h=5 m=44
